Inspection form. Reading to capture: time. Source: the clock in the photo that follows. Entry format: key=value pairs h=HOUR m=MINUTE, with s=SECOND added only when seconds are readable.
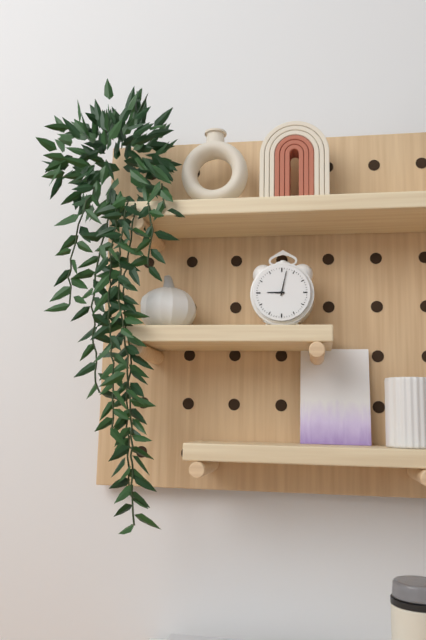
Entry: h=9 m=2
